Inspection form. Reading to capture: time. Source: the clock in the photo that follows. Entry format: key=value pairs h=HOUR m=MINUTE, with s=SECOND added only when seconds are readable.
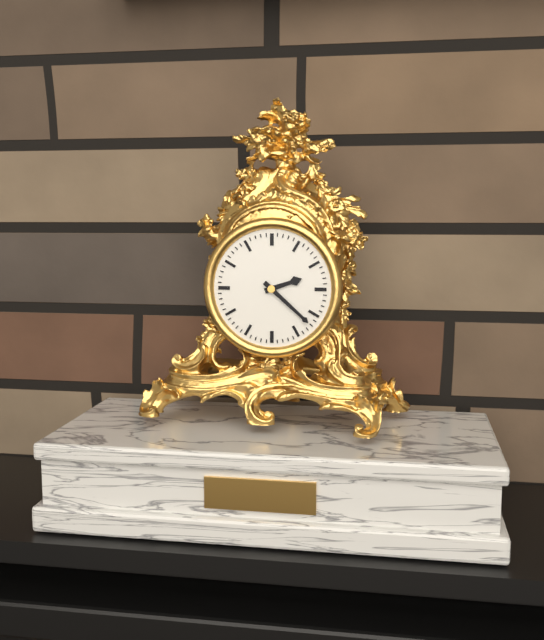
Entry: h=2 m=22
